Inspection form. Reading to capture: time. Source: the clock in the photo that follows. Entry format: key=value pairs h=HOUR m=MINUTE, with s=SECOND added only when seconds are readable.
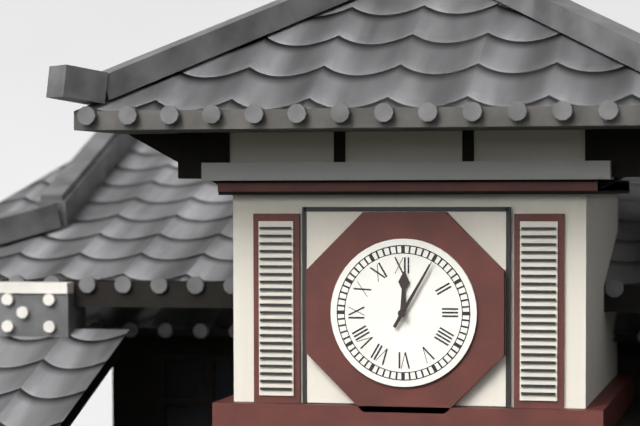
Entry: h=12 m=5
